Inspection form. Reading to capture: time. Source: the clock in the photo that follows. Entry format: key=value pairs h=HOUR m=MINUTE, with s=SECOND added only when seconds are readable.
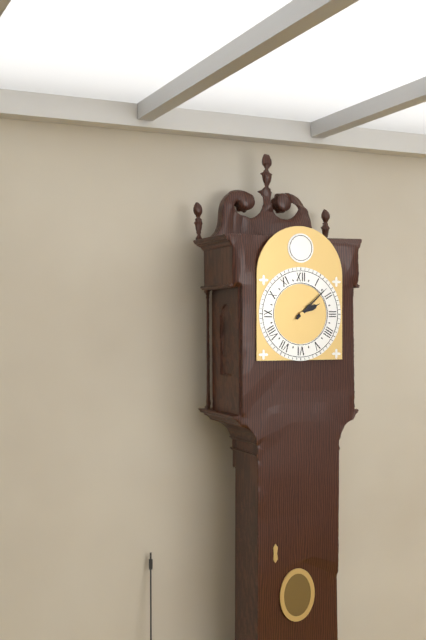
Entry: h=2 m=8
